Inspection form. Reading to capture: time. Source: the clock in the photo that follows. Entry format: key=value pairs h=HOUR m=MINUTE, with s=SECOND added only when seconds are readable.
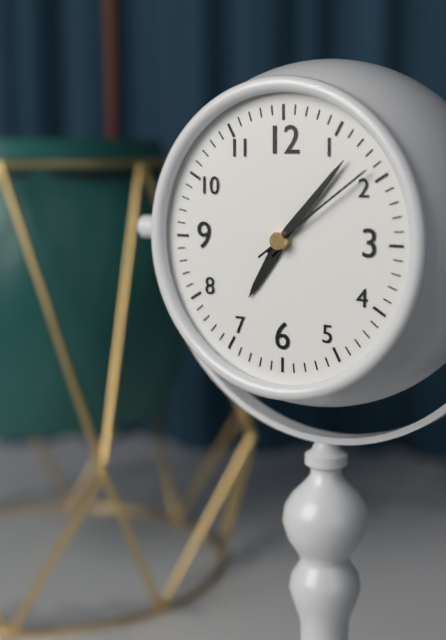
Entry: h=7 m=7 s=9
